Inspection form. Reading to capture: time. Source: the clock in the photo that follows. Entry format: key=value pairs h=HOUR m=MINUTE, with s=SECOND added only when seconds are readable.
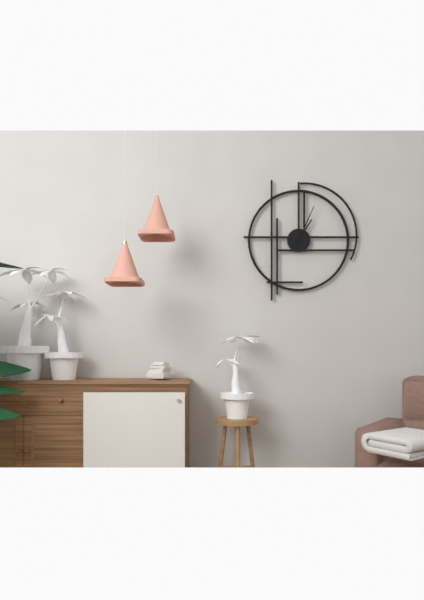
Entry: h=1 m=4
